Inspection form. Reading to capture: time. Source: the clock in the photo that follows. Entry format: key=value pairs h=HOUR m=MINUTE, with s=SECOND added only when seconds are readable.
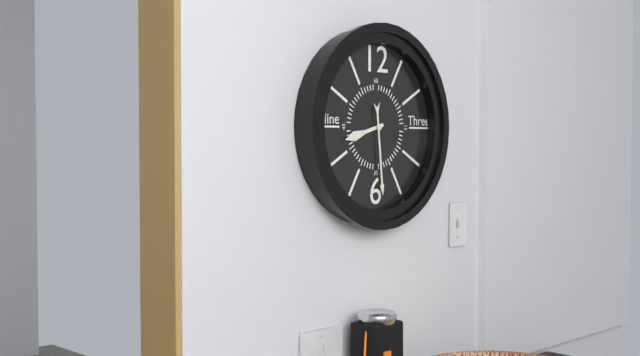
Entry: h=8 m=29
